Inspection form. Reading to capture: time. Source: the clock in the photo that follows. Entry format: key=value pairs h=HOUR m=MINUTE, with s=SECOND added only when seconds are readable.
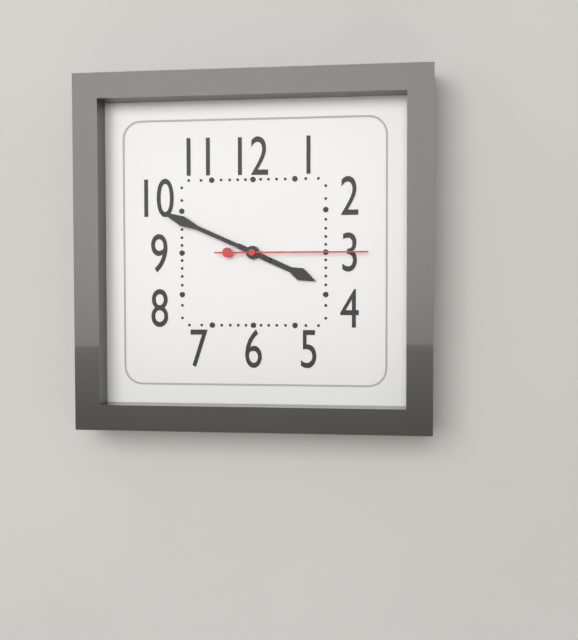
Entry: h=3 m=49 s=15
